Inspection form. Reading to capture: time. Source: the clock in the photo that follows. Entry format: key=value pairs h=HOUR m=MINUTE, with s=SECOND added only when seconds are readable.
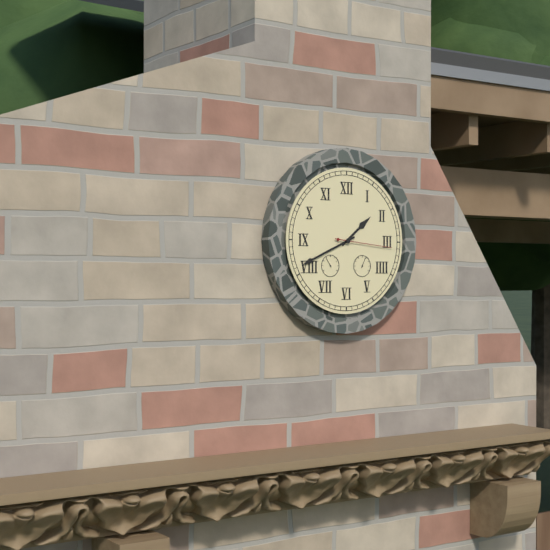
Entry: h=1 m=41 s=16
